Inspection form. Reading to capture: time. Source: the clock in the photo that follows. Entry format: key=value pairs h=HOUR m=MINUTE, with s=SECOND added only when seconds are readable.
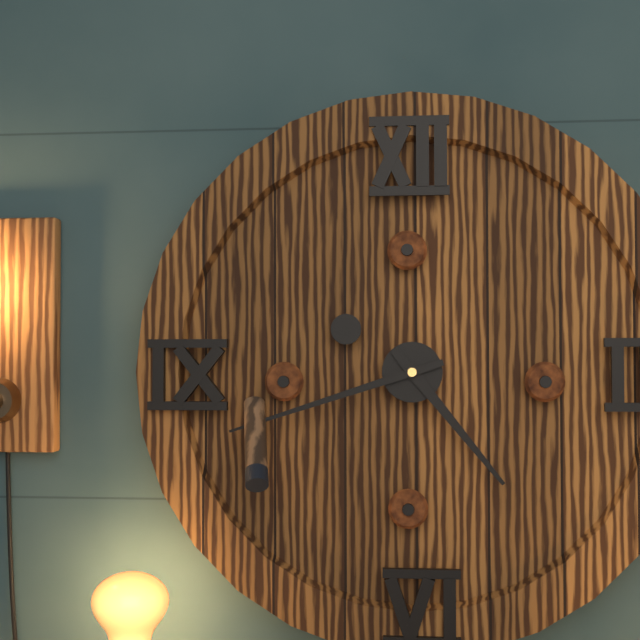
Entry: h=4 m=42
